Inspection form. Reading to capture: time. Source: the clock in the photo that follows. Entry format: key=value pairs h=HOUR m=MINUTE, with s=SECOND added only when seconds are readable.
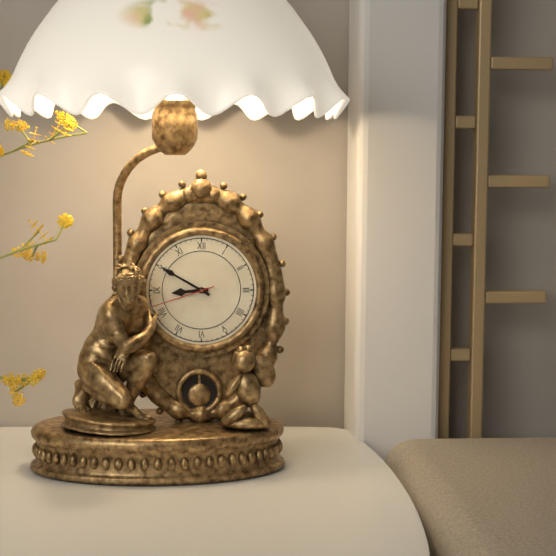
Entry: h=8 m=50 s=42
